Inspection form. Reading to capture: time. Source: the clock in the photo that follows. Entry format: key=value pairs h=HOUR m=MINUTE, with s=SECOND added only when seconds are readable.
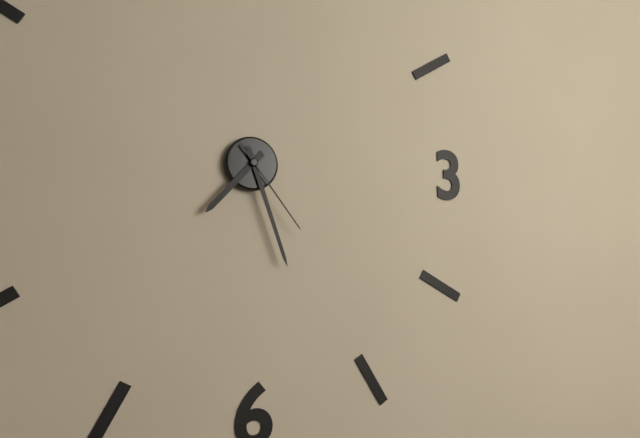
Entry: h=7 m=27 s=24
